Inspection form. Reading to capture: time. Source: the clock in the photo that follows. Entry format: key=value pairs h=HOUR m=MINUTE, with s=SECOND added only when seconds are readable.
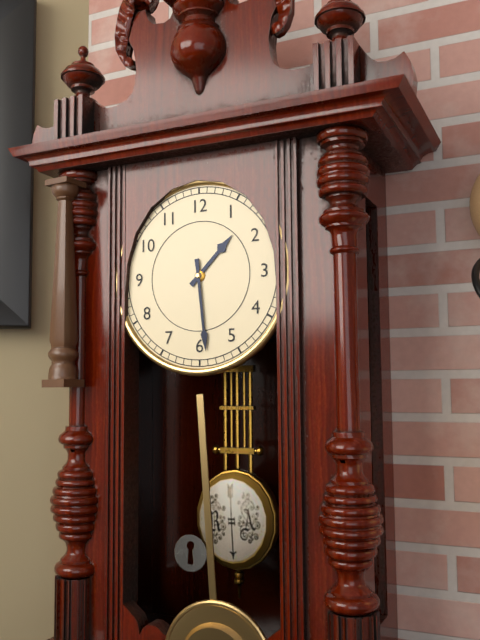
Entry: h=1 m=29
